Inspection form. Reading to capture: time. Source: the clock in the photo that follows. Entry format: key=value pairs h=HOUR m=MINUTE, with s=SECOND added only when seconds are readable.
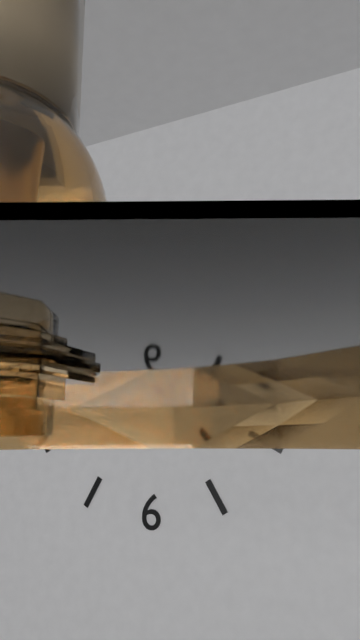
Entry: h=2 m=33
